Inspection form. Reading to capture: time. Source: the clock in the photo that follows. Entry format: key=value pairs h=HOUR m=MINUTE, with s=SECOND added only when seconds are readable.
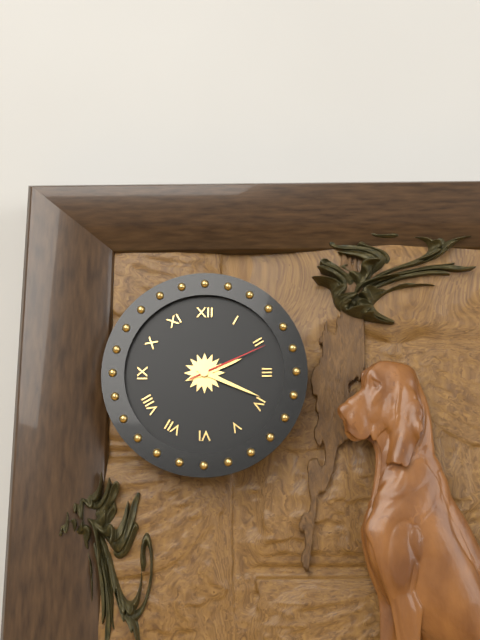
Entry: h=2 m=19 s=11
